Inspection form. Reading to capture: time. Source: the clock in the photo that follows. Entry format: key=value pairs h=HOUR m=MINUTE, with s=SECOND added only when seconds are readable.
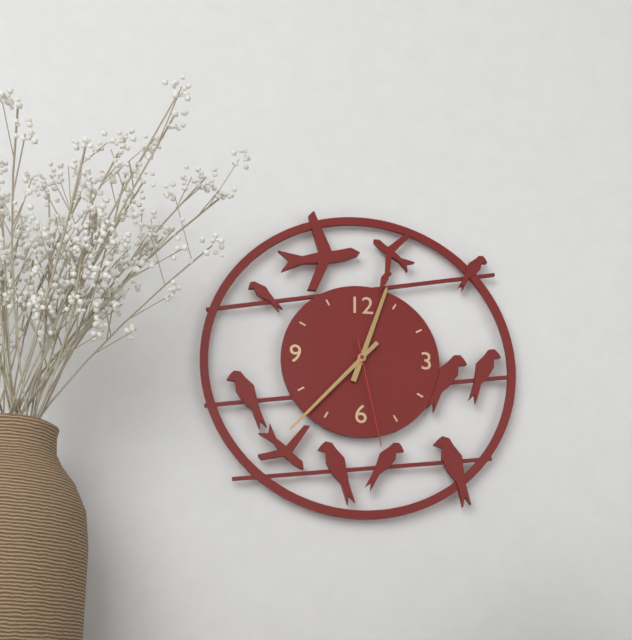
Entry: h=12 m=37 s=28
